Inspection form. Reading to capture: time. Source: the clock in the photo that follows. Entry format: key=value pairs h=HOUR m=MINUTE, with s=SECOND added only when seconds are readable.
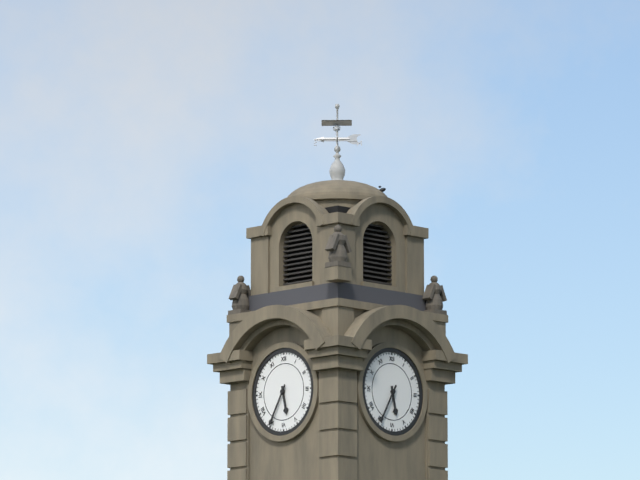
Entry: h=5 m=35
